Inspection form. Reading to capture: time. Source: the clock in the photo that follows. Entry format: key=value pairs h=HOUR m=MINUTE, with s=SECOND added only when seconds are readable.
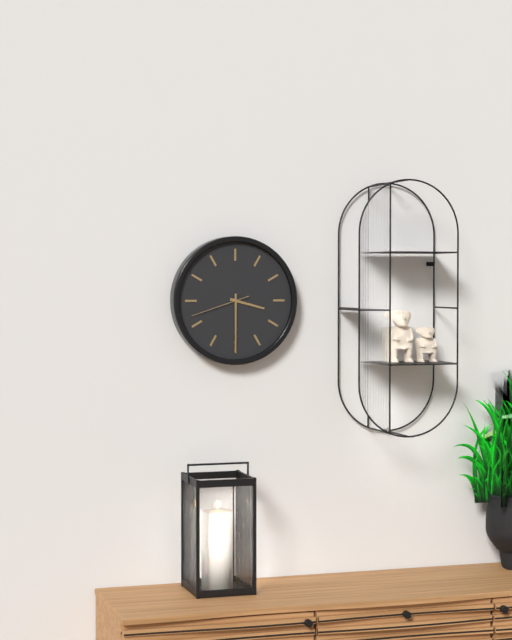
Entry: h=3 m=30 s=42
